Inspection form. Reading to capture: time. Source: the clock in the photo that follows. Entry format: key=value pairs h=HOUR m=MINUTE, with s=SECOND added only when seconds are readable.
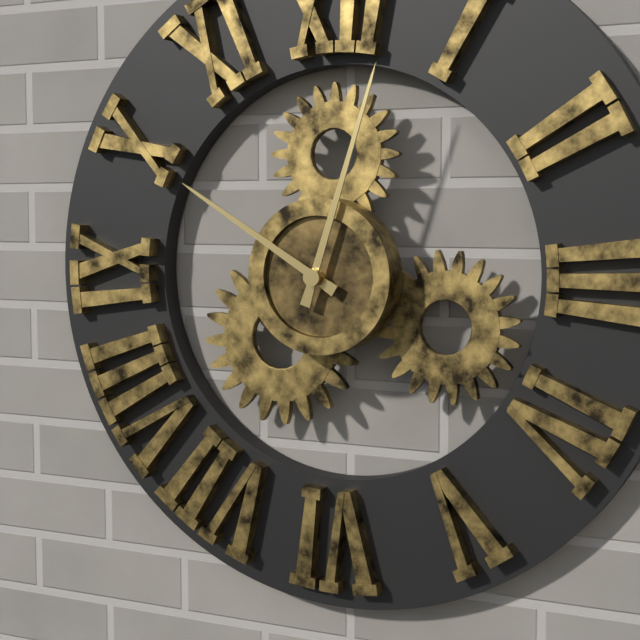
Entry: h=10 m=3
